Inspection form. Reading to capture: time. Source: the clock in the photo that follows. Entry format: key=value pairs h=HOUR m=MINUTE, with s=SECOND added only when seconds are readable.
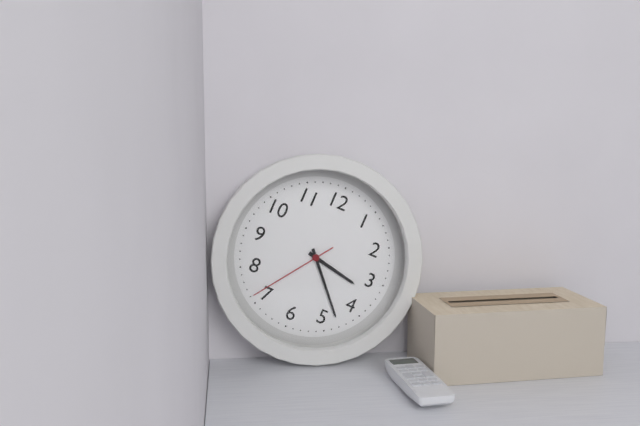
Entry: h=3 m=23 s=36
